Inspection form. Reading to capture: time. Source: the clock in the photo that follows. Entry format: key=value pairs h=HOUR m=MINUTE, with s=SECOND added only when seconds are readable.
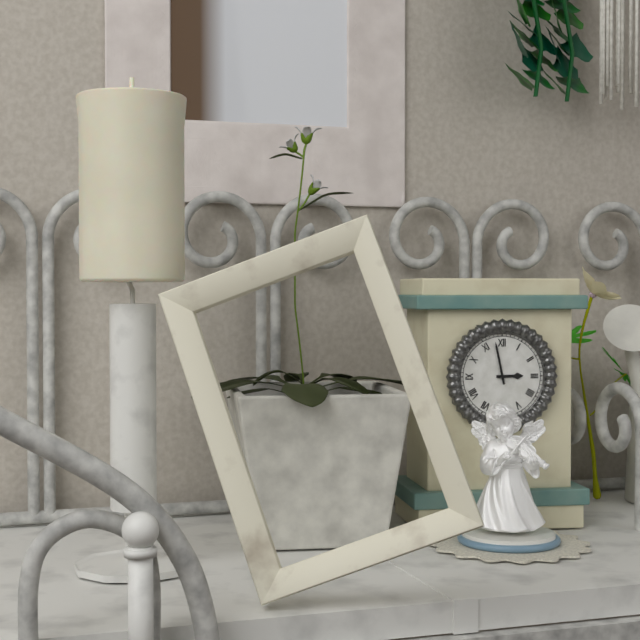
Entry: h=2 m=58
